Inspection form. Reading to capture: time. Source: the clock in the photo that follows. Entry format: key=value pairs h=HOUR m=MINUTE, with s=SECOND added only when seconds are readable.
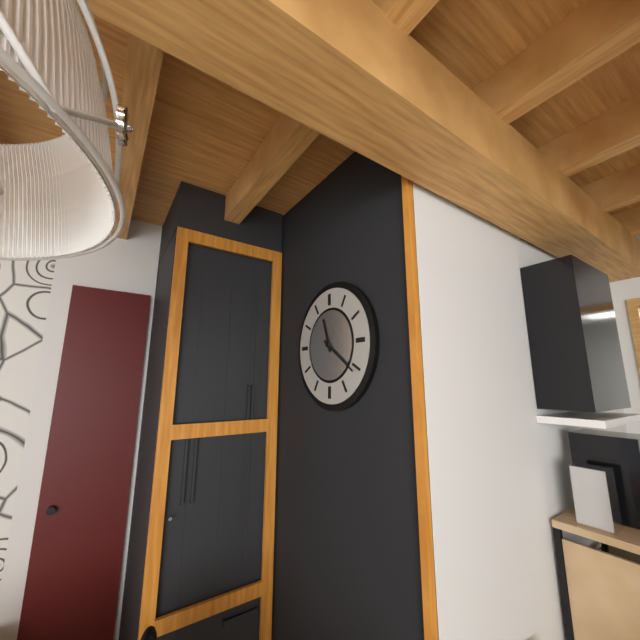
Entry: h=11 m=21
